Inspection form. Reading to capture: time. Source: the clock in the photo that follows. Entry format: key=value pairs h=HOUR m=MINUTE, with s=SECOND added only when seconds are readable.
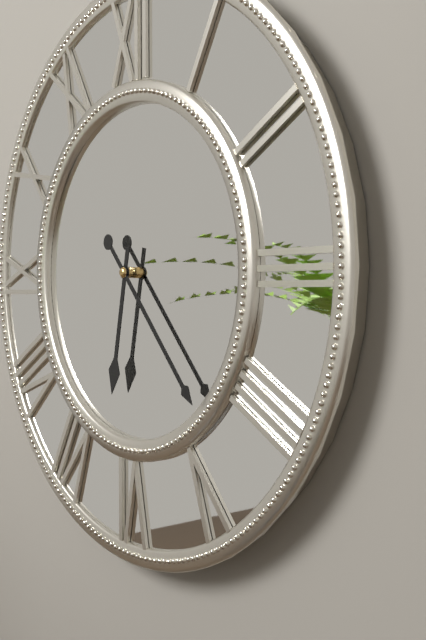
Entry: h=6 m=23
